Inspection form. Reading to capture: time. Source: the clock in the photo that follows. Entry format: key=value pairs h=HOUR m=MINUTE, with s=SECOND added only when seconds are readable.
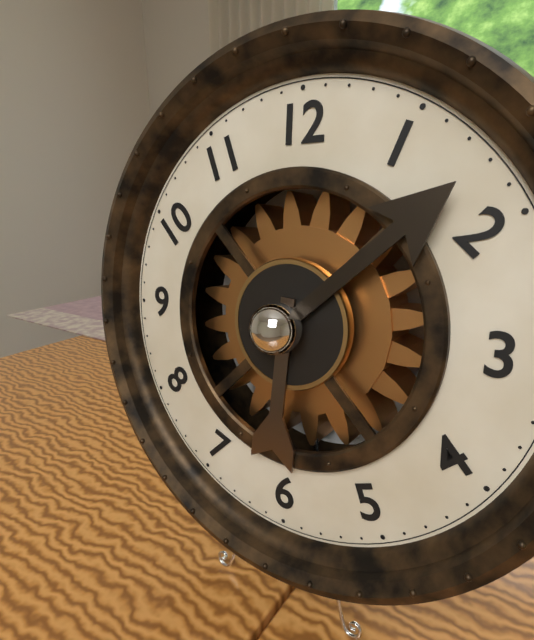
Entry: h=6 m=8
